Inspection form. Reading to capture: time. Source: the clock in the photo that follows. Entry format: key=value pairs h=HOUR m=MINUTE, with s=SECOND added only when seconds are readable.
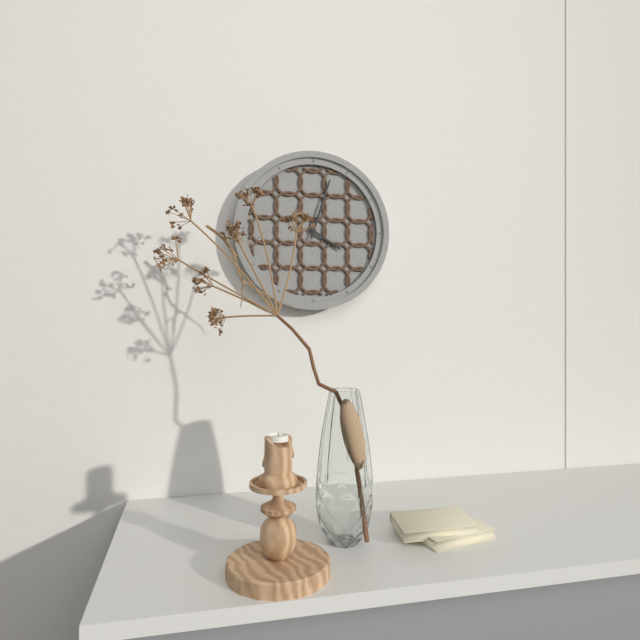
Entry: h=4 m=3
